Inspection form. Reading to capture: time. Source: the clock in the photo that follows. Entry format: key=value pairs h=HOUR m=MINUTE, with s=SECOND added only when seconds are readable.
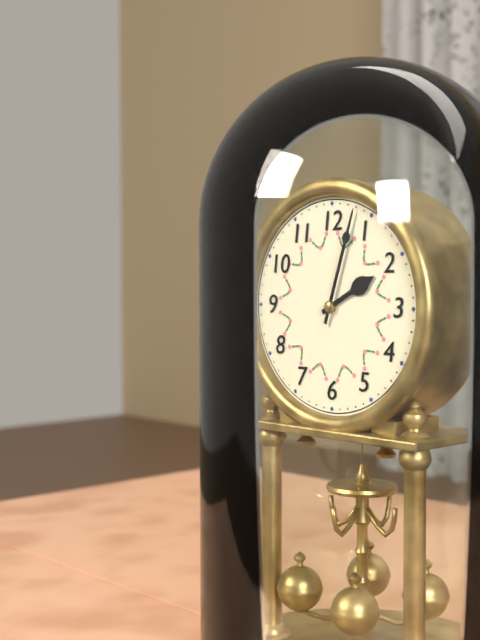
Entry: h=2 m=3
